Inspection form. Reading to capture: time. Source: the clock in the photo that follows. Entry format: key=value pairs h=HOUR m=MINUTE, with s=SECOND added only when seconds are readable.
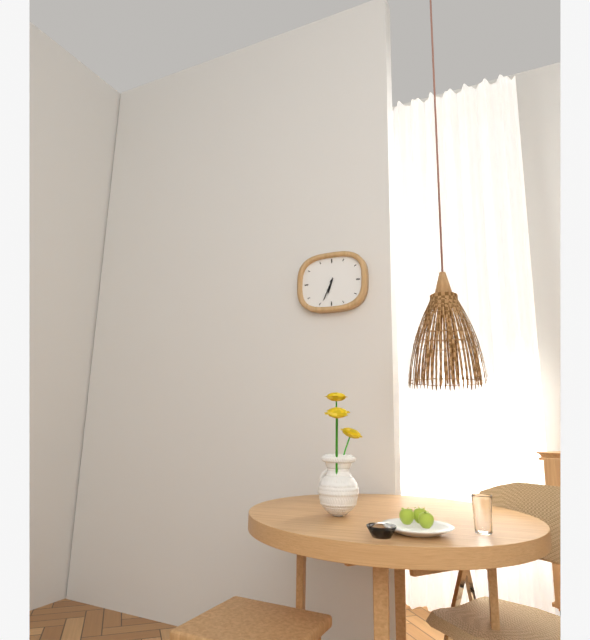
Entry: h=6 m=34
